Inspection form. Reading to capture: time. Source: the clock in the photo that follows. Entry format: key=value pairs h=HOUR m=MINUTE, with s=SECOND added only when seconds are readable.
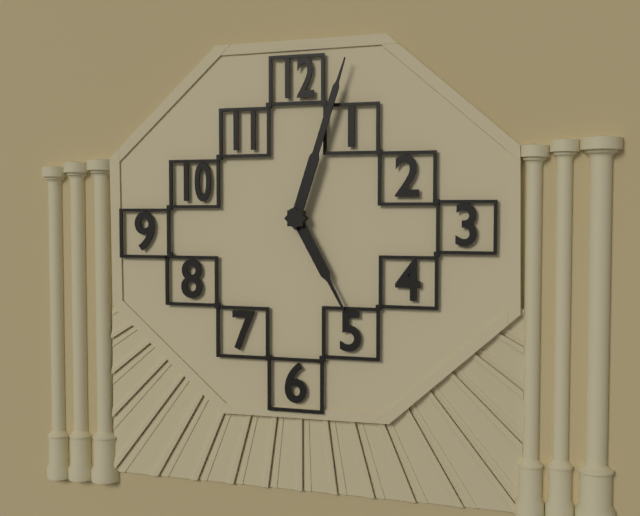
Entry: h=5 m=3
